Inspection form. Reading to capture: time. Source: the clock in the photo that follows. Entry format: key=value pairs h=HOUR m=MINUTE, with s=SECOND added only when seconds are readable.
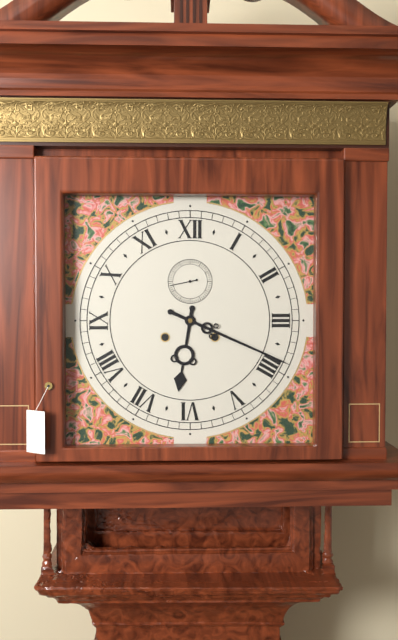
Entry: h=6 m=19
